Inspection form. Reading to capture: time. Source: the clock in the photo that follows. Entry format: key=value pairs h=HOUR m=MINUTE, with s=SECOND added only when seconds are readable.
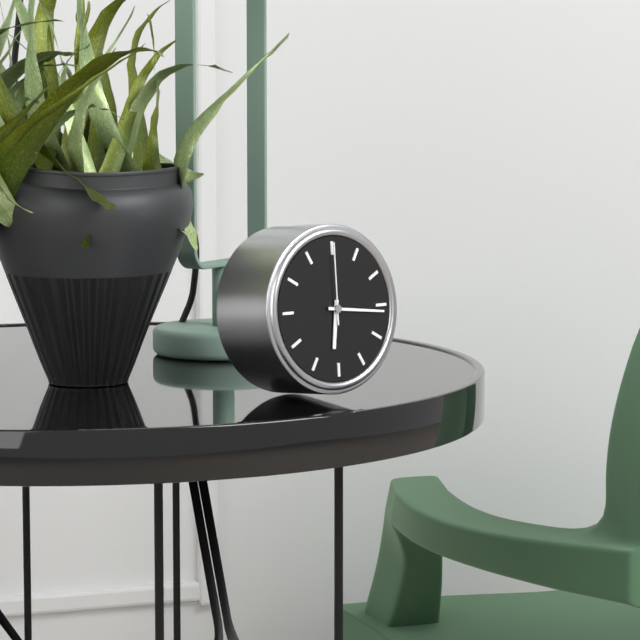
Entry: h=6 m=16 s=0
